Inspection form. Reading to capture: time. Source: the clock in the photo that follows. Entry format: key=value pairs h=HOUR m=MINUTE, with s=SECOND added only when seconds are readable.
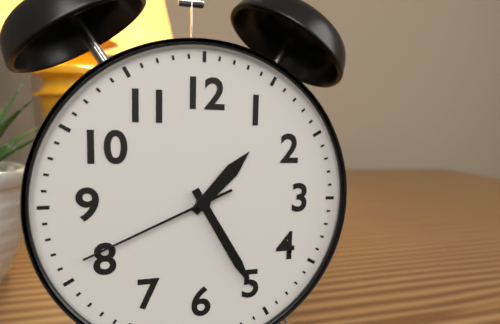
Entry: h=1 m=25 s=41
